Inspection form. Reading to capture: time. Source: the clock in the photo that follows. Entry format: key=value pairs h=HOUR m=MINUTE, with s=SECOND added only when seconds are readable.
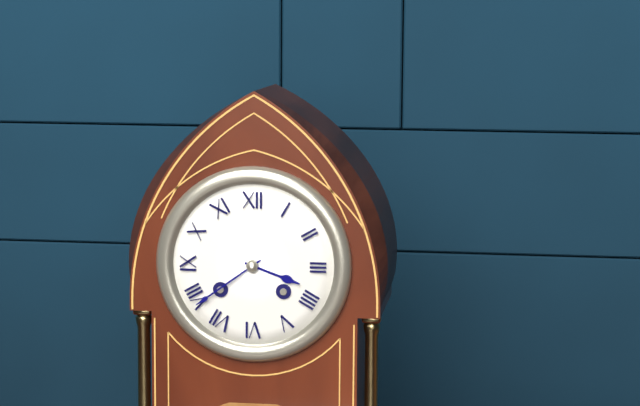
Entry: h=3 m=39
